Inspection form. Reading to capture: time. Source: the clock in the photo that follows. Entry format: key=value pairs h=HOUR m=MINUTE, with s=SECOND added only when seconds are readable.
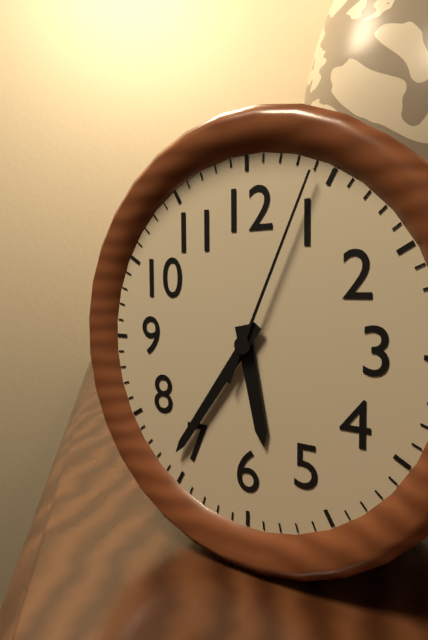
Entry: h=5 m=36 s=4
